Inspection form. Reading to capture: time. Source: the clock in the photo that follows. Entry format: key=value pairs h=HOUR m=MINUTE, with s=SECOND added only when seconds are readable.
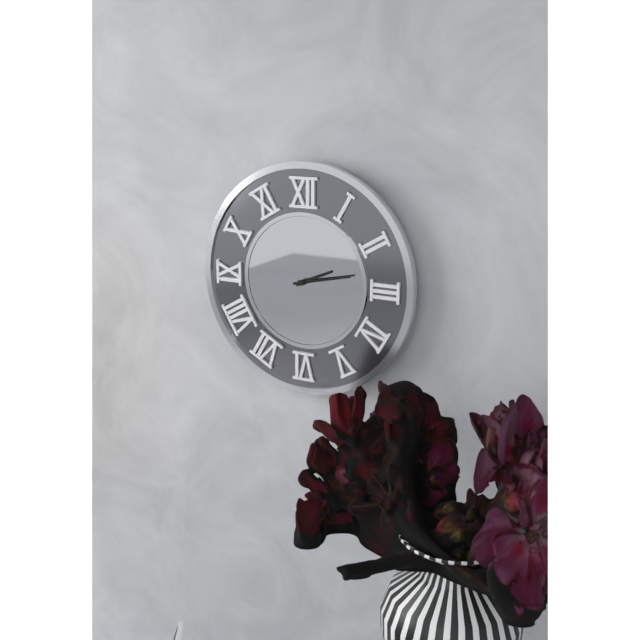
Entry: h=2 m=13
